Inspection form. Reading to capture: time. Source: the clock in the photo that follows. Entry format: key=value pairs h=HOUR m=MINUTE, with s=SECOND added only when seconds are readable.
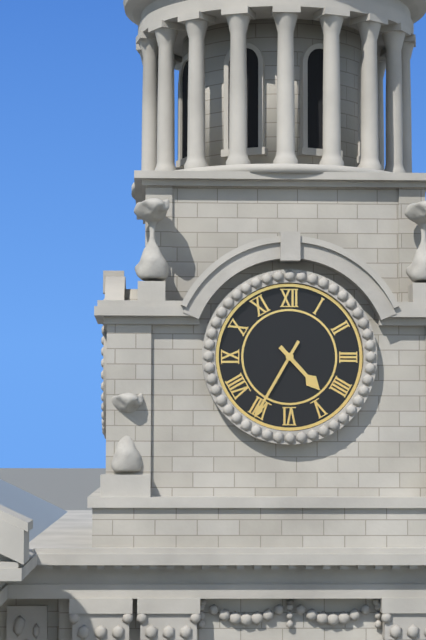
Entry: h=4 m=35
